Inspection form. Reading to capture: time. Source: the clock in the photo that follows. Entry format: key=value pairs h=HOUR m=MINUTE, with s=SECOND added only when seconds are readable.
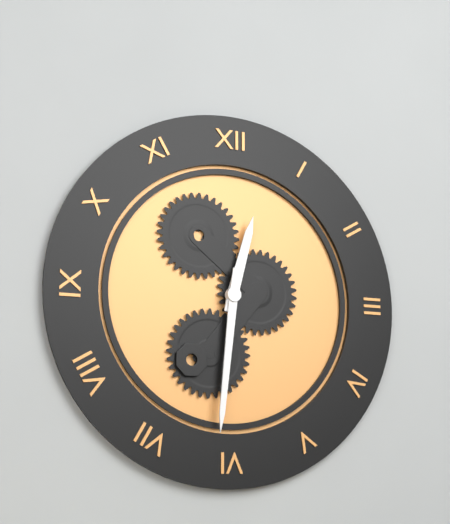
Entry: h=12 m=31
